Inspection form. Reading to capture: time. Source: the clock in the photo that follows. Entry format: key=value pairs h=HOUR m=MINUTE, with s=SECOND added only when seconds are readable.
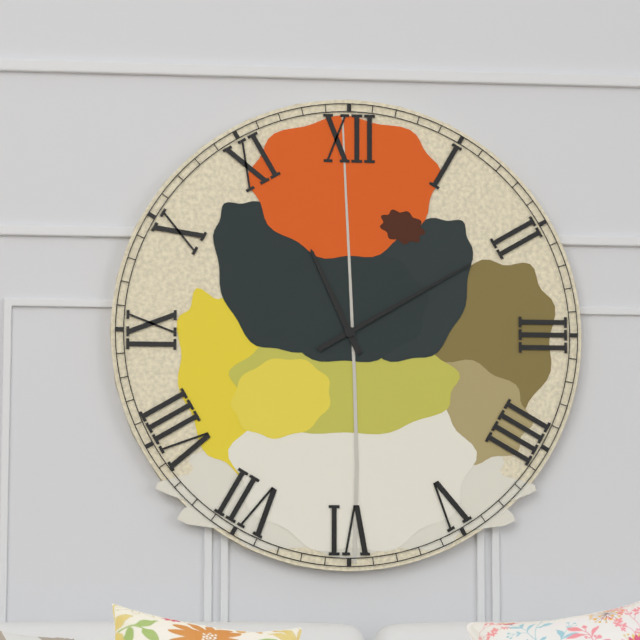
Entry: h=11 m=10
